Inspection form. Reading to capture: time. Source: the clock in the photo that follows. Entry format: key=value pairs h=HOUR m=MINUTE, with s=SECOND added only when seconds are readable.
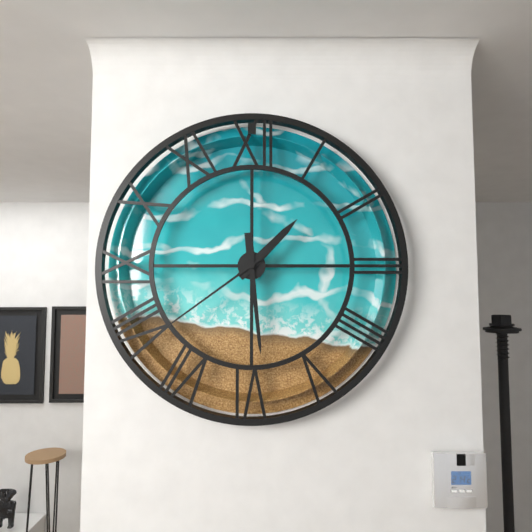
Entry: h=1 m=29 s=39
